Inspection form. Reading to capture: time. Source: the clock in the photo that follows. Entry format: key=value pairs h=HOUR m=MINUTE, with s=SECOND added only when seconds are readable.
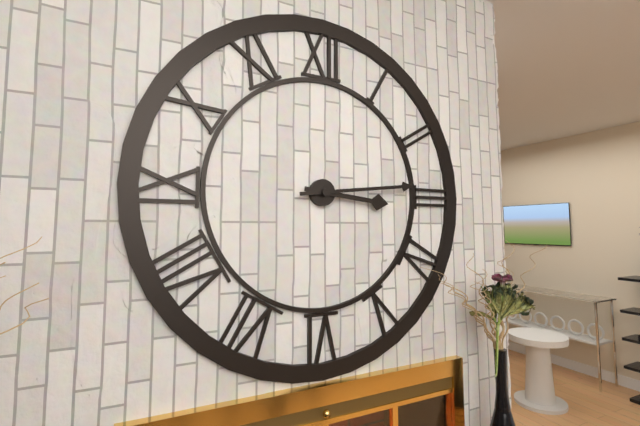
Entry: h=3 m=14
